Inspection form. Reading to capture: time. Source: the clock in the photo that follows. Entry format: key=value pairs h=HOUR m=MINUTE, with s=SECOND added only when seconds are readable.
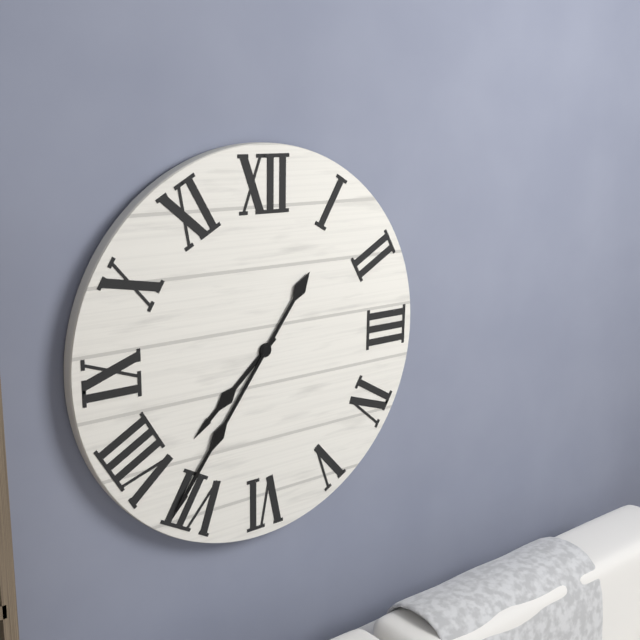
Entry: h=7 m=36
